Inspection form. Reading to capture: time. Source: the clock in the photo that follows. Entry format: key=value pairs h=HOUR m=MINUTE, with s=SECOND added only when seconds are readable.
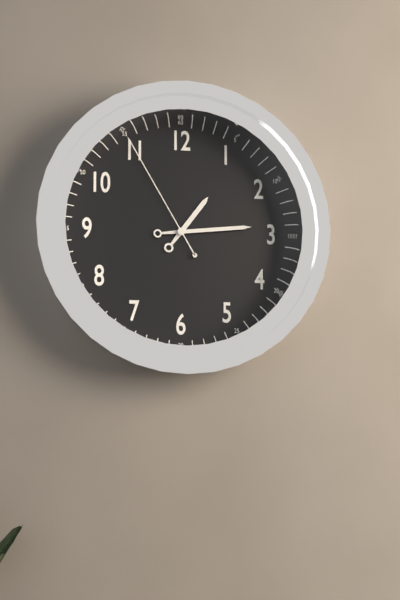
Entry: h=1 m=14 s=55
